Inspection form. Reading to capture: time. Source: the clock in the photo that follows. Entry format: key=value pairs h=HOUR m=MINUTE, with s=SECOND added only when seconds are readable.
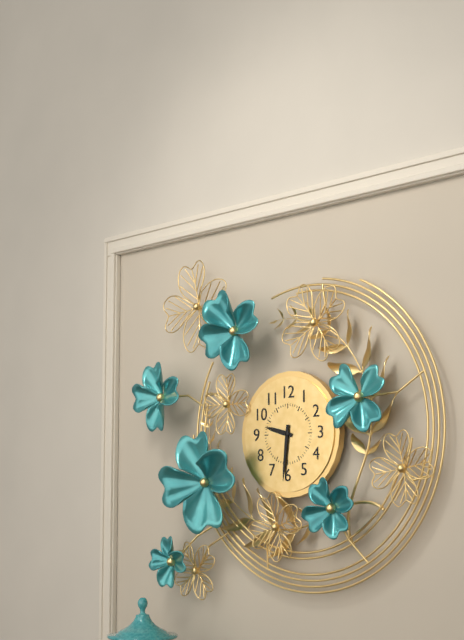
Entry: h=9 m=31
